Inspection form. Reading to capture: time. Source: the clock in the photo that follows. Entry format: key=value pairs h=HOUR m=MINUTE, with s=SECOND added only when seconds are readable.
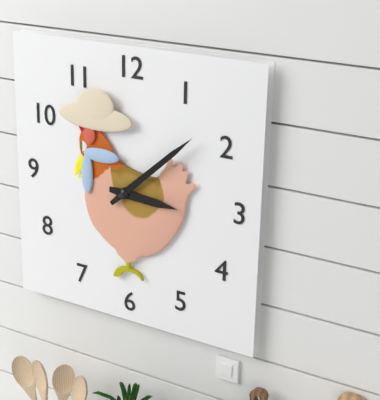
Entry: h=3 m=8
